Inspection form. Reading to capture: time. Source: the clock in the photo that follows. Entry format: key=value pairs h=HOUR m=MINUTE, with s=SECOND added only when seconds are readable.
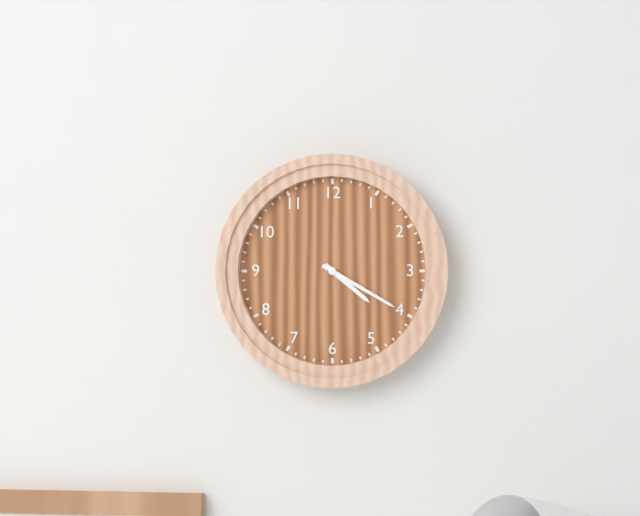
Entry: h=4 m=20
